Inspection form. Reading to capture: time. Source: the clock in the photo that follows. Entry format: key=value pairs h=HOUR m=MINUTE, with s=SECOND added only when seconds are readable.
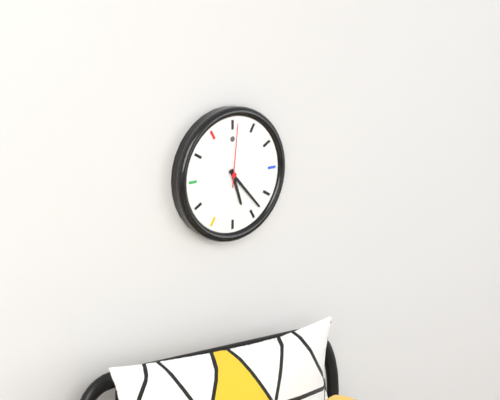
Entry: h=5 m=23 s=1
